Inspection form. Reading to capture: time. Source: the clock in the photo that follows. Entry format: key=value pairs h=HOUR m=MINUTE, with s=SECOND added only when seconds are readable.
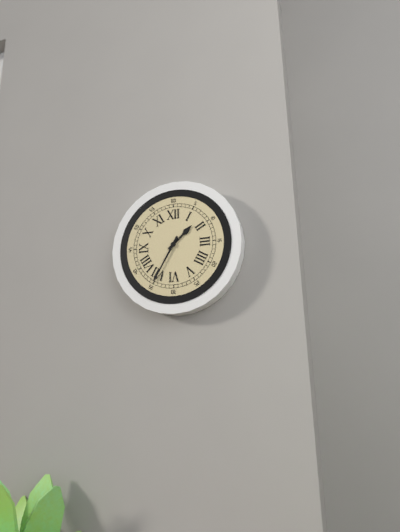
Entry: h=1 m=35
